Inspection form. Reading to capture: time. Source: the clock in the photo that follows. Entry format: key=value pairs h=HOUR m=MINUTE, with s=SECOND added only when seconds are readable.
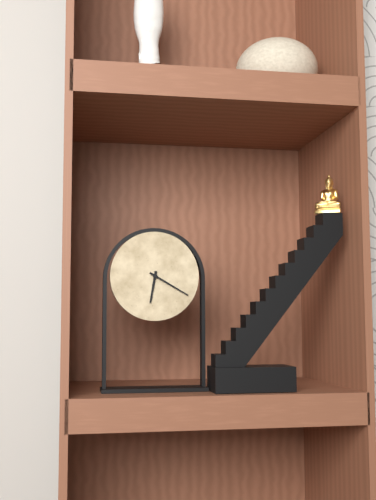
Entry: h=6 m=20
